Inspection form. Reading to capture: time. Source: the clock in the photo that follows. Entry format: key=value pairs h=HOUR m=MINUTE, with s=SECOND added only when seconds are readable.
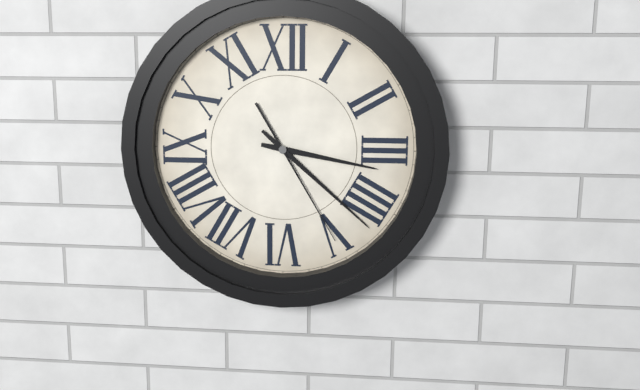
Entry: h=3 m=22 s=25
